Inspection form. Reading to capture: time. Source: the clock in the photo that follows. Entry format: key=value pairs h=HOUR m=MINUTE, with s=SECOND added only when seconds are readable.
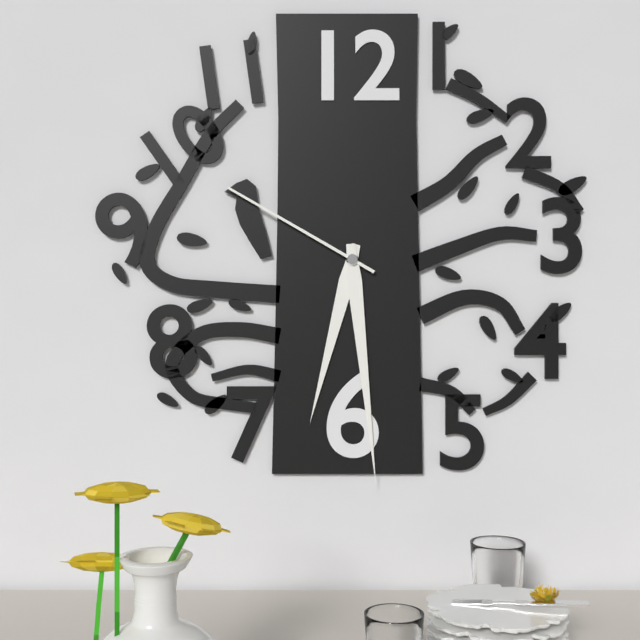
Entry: h=6 m=29 s=50
